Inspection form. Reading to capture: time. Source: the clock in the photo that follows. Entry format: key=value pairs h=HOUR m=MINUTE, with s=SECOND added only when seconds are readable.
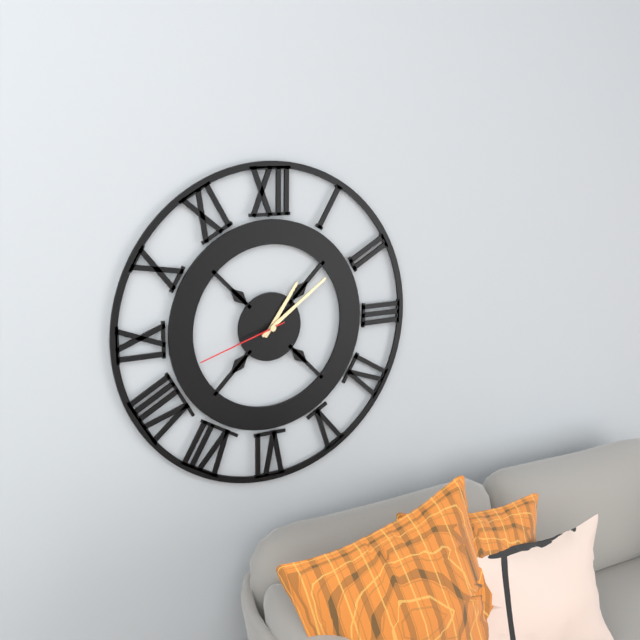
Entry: h=1 m=9 s=42
